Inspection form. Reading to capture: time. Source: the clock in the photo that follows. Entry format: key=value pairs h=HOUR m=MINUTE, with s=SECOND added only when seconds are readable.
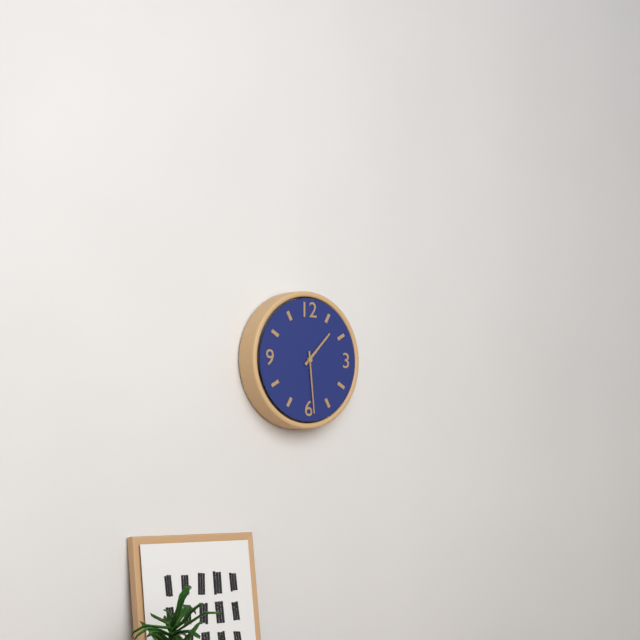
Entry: h=1 m=29
